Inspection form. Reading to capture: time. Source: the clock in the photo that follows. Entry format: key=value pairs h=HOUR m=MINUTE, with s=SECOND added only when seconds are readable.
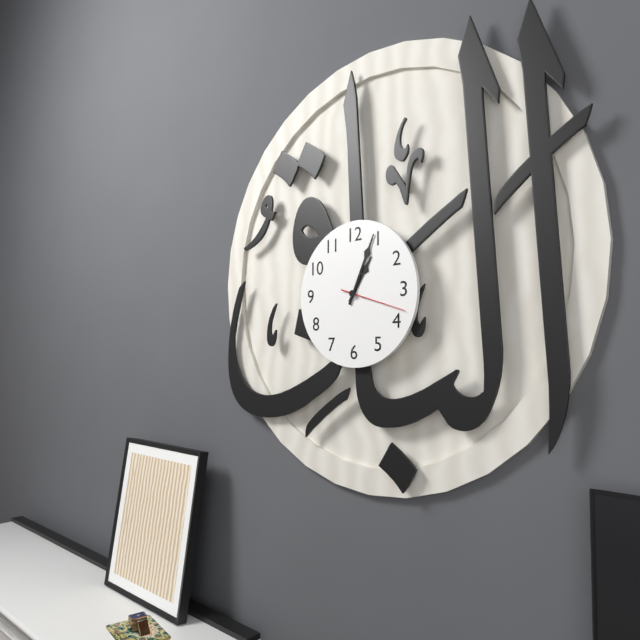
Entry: h=1 m=4 s=18
